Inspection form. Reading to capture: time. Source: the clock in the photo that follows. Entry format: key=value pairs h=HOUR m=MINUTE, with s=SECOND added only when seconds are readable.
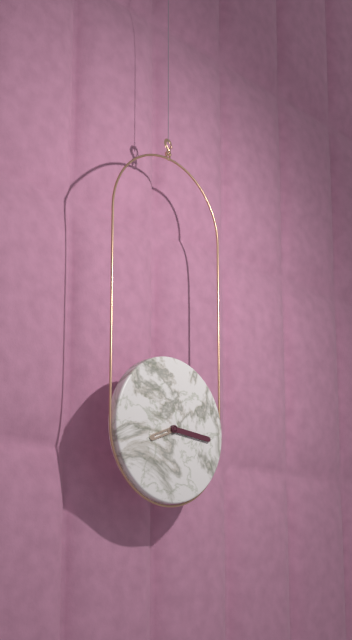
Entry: h=8 m=16
